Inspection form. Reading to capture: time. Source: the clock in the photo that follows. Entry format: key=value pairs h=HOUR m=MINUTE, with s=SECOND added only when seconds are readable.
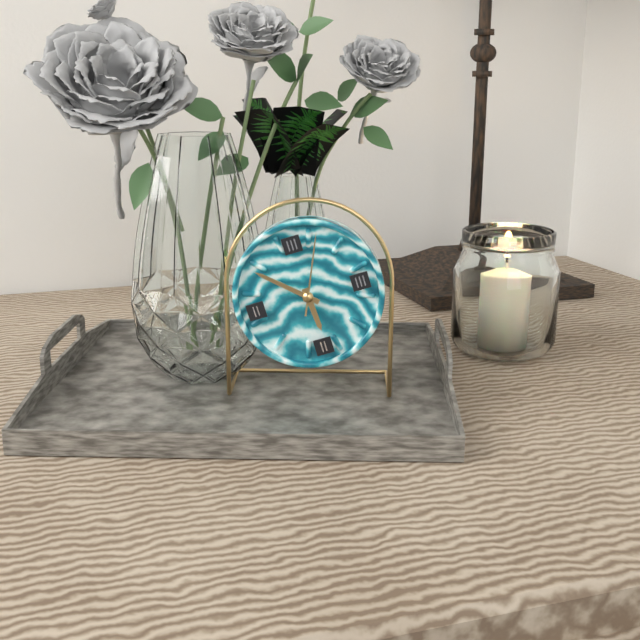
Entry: h=5 m=52 s=4
